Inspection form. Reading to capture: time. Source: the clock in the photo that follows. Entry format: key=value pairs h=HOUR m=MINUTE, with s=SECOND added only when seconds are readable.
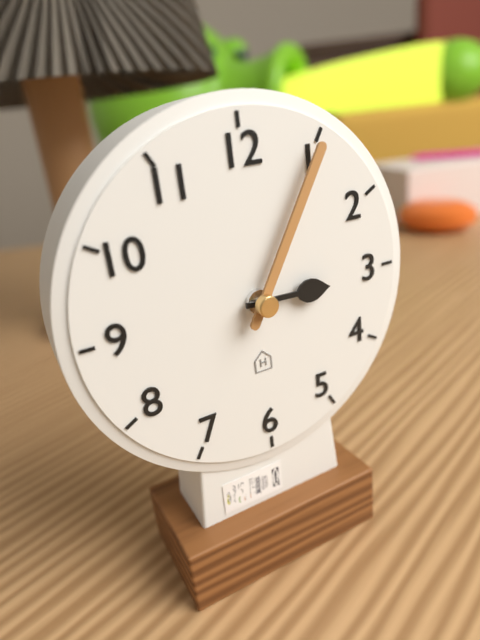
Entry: h=3 m=5
